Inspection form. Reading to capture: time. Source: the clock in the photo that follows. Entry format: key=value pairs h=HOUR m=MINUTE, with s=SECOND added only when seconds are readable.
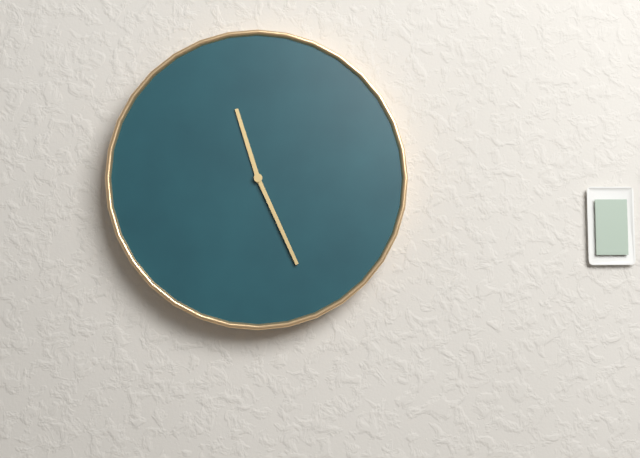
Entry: h=11 m=26
